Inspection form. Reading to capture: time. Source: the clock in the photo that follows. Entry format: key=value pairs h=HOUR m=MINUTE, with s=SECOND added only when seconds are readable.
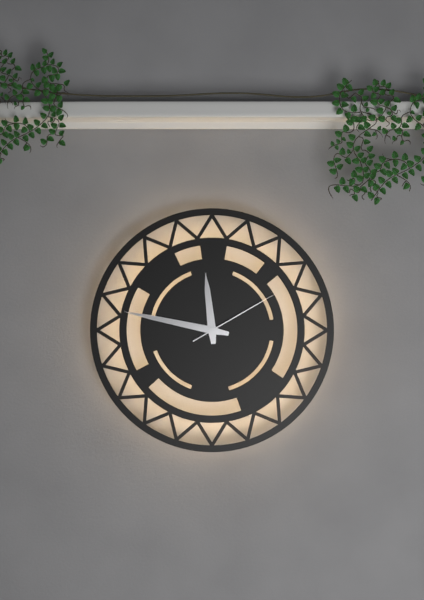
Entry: h=11 m=47 s=10
